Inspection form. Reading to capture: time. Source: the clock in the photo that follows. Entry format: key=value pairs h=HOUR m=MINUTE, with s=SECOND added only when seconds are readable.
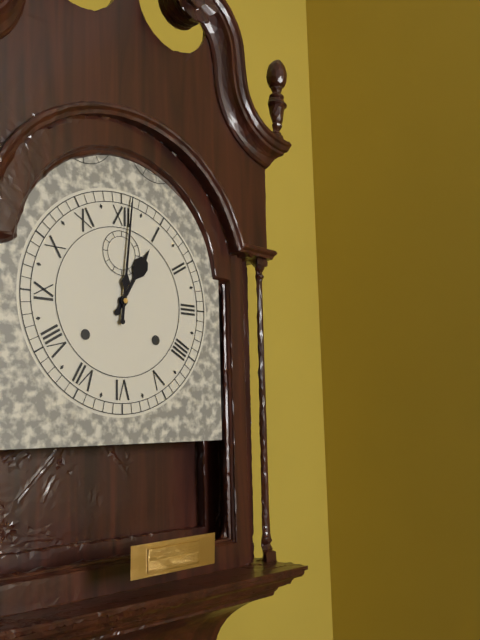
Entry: h=1 m=1
